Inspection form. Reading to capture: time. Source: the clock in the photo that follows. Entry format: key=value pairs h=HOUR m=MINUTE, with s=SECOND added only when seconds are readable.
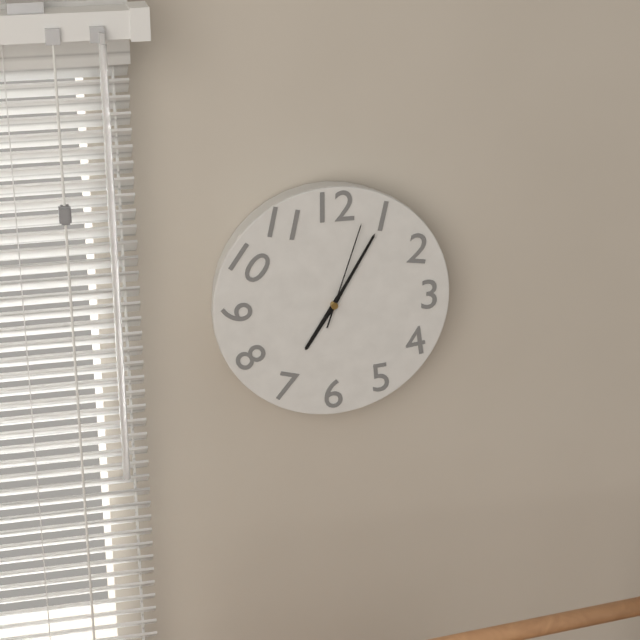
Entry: h=7 m=5 s=3
